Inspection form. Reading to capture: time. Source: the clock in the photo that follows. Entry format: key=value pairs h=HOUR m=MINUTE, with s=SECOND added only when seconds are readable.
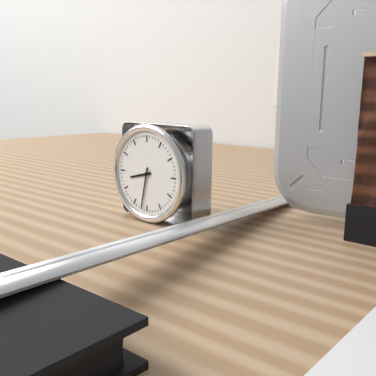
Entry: h=8 m=32
